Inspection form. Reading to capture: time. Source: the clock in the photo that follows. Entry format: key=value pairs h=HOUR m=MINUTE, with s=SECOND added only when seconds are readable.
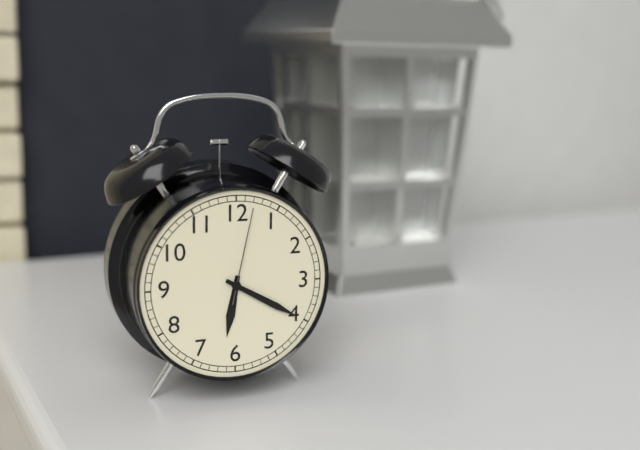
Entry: h=6 m=20 s=2
